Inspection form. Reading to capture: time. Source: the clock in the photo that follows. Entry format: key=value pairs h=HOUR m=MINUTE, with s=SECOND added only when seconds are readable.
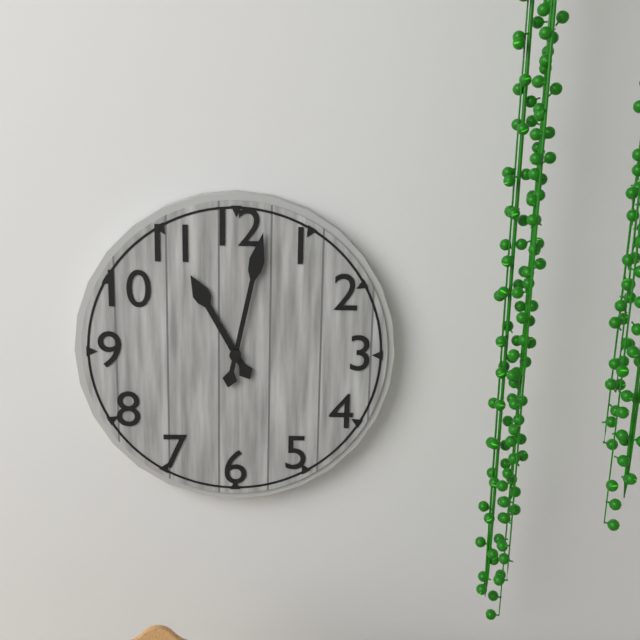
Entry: h=11 m=2
